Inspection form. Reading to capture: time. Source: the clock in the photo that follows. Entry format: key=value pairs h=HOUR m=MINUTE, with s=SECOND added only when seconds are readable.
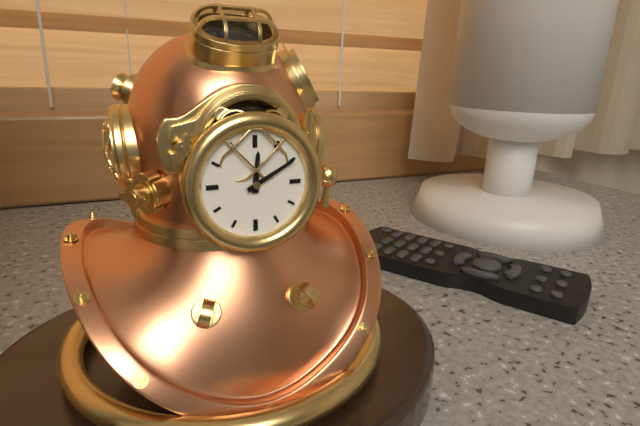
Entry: h=12 m=10
